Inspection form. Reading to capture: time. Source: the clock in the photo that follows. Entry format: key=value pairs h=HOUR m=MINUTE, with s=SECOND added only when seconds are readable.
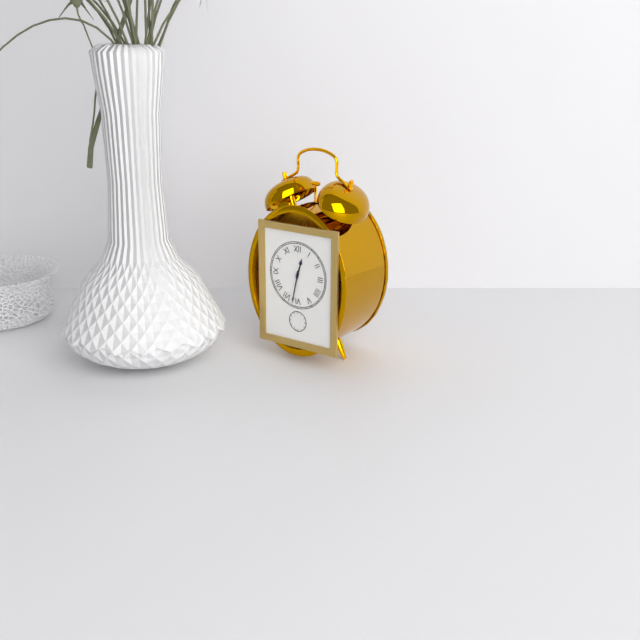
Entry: h=12 m=32
